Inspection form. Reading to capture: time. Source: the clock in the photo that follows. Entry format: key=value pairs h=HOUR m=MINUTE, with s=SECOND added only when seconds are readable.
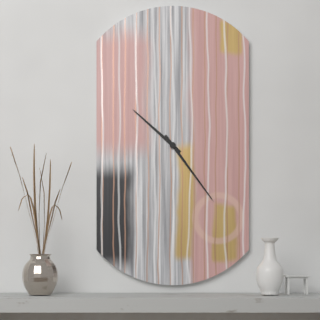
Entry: h=10 m=24
